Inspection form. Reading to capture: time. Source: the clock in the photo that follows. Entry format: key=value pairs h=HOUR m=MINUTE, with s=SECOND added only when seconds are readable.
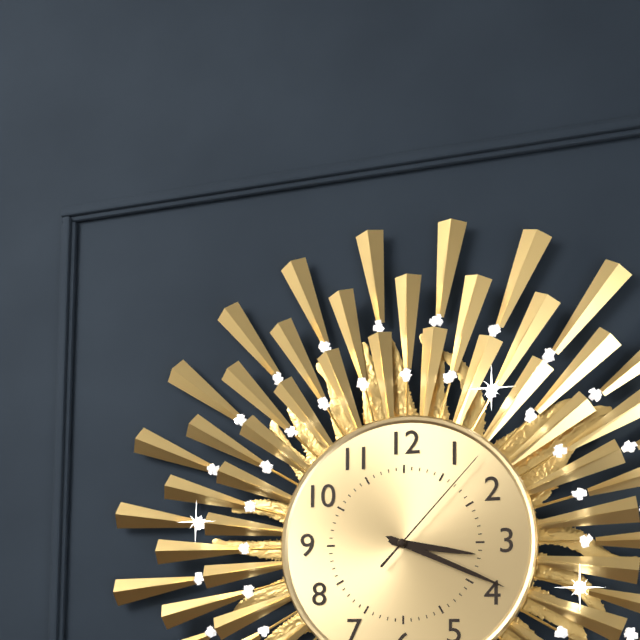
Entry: h=3 m=19 s=7
